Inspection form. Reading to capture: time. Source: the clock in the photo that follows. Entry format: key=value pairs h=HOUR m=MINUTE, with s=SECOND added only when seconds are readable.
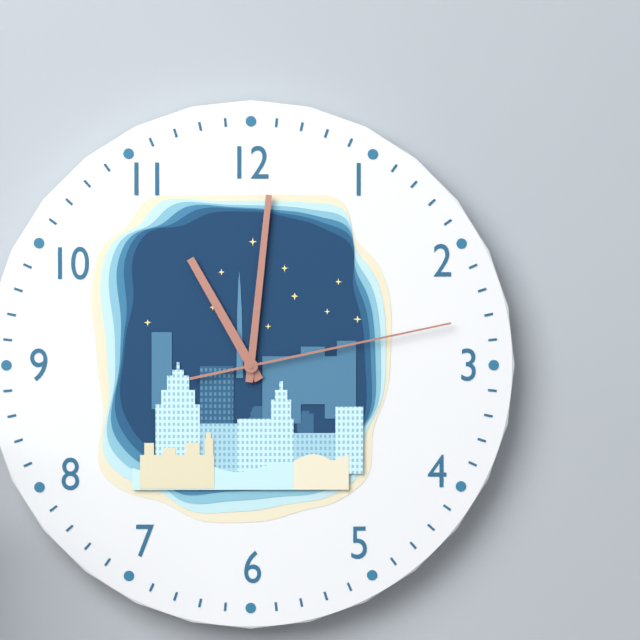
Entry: h=11 m=1 s=13
